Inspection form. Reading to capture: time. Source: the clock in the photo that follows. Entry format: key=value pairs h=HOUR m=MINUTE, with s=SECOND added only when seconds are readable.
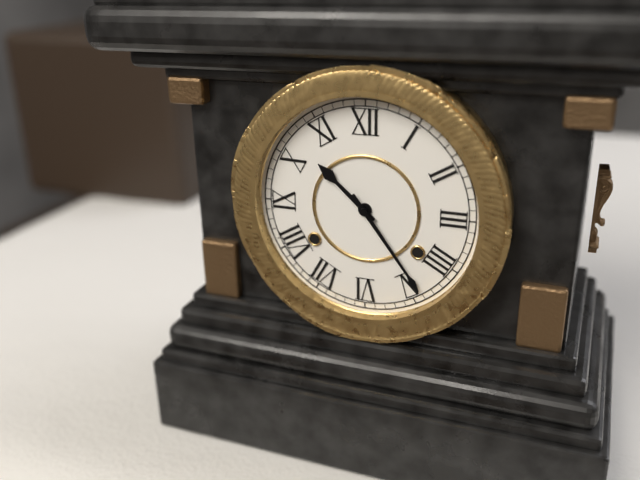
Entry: h=10 m=24
